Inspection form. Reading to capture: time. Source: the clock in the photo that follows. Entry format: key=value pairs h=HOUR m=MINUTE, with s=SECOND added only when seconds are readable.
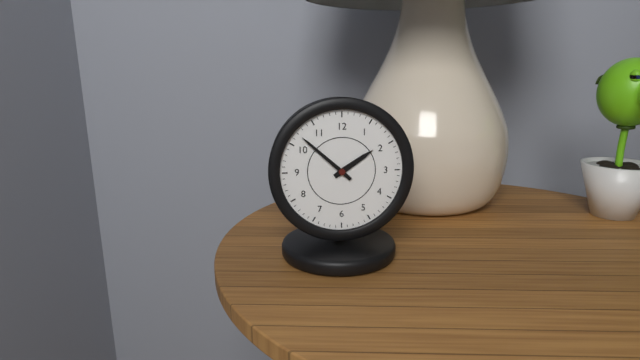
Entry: h=1 m=52
